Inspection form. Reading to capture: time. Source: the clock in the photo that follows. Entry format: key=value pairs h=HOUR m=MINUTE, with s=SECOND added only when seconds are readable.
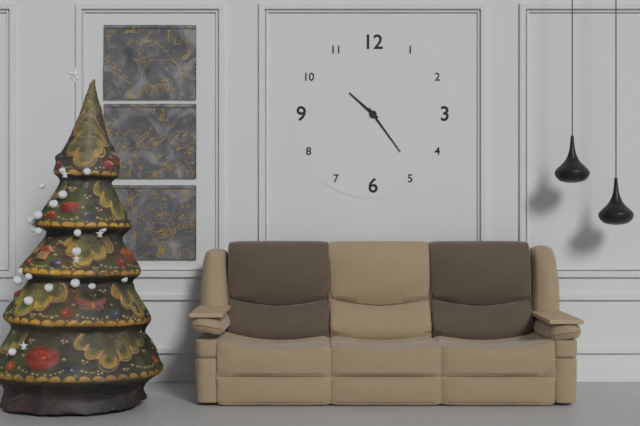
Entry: h=10 m=24
